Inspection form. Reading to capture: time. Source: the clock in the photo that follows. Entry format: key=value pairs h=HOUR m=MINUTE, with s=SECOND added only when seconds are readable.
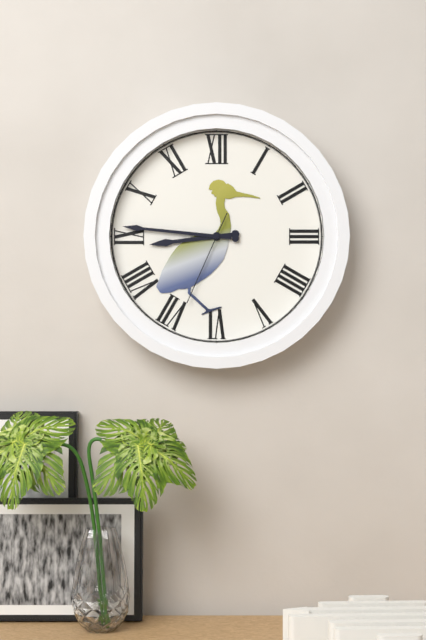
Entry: h=8 m=46 s=34
